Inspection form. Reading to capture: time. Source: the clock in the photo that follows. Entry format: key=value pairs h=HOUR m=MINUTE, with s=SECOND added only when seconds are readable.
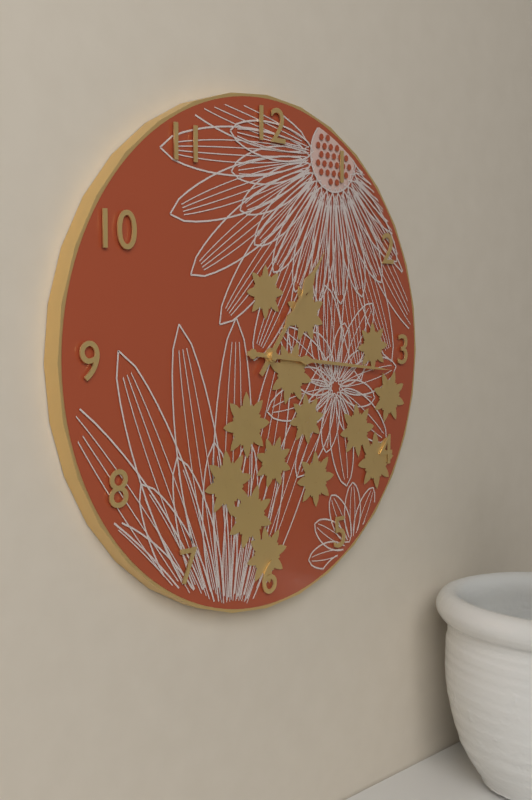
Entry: h=1 m=16
